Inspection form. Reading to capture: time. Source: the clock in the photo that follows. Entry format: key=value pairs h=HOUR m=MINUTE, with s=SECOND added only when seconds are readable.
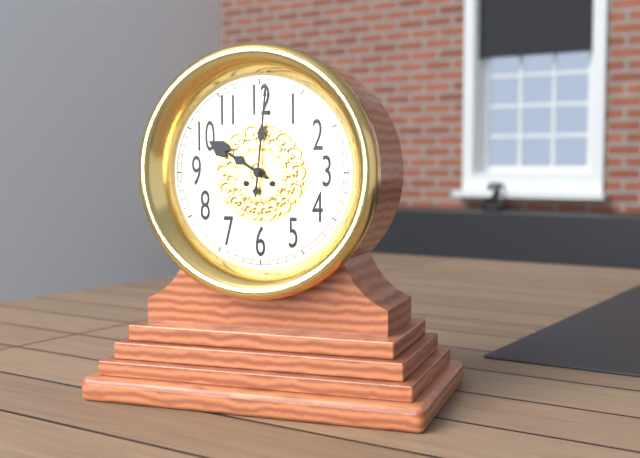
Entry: h=10 m=1
